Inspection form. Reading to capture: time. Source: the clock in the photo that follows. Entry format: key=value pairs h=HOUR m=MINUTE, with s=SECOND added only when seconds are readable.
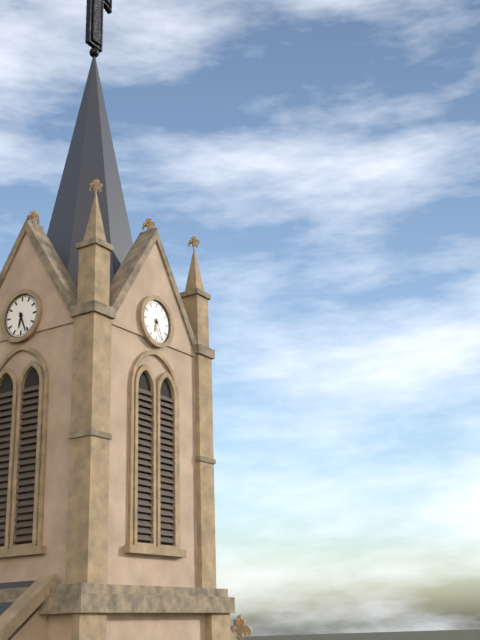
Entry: h=6 m=26
